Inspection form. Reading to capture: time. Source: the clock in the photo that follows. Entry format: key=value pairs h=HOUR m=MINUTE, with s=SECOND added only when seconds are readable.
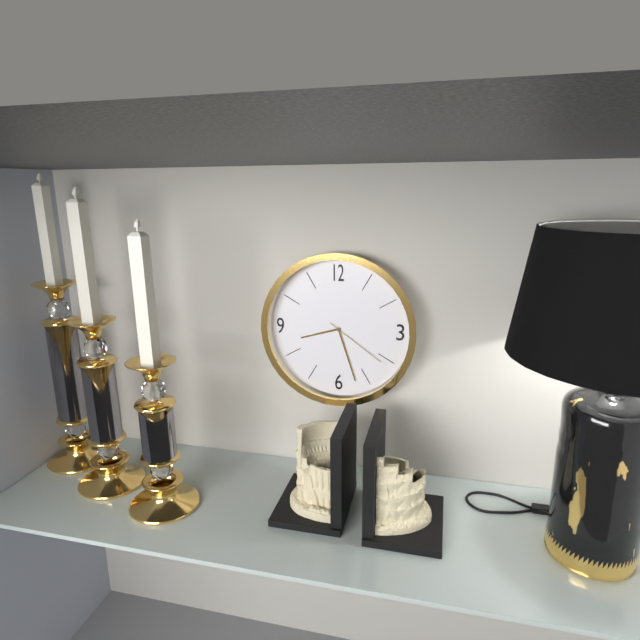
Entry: h=8 m=27 s=21
